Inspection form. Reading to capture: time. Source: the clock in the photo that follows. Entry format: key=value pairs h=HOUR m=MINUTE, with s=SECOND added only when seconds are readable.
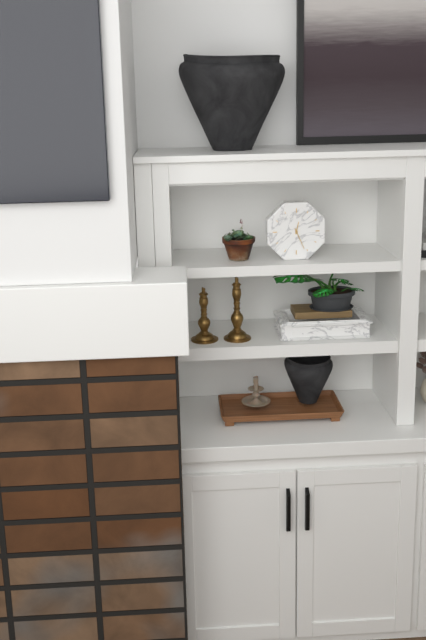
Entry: h=12 m=26
